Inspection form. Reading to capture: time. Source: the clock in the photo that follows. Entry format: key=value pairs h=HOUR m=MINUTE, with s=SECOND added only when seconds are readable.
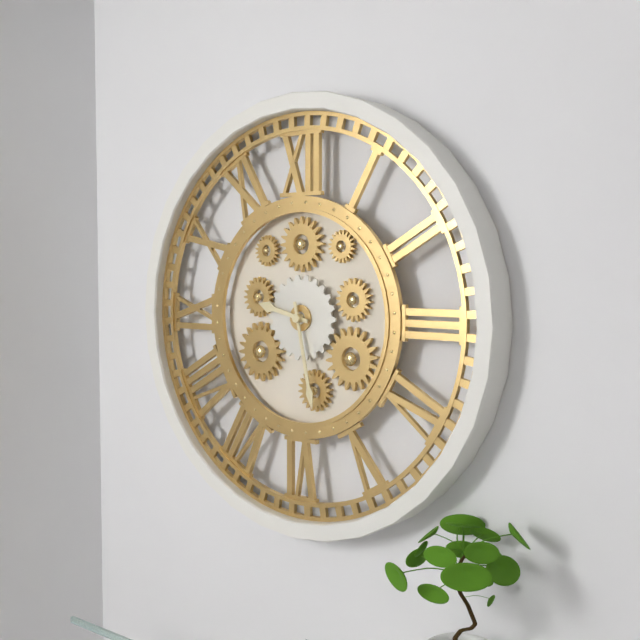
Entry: h=9 m=28
